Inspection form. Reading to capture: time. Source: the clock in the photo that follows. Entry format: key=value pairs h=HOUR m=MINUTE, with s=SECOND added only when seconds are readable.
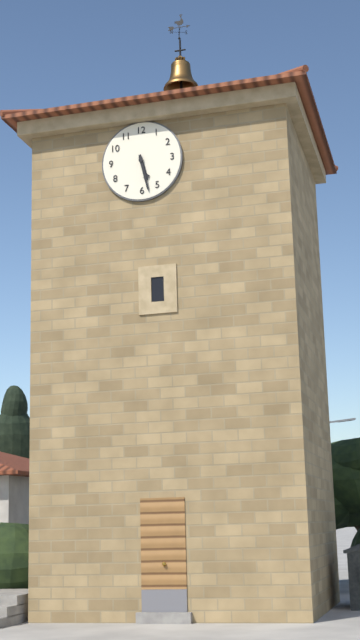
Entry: h=5 m=28
